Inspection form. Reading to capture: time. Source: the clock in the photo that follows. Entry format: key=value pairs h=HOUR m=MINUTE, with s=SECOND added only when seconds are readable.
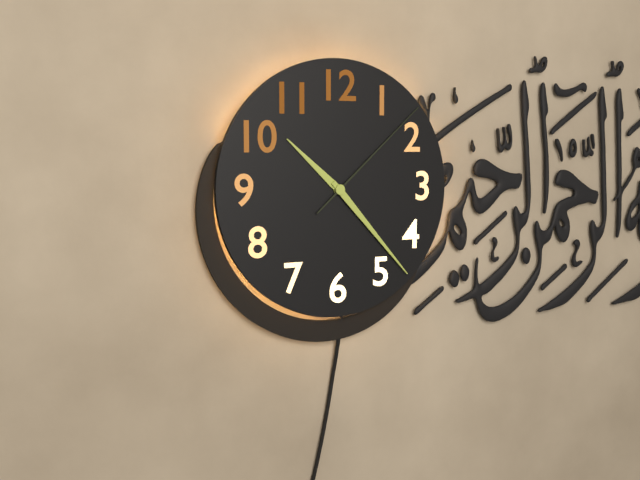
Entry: h=10 m=23 s=8
